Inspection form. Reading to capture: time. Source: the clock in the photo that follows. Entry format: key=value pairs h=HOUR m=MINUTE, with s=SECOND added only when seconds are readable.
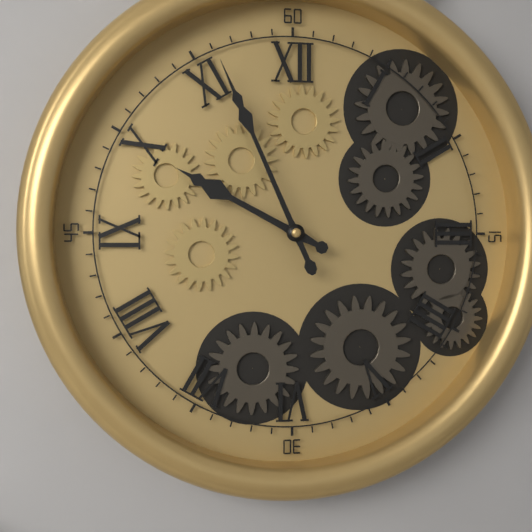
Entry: h=9 m=56
